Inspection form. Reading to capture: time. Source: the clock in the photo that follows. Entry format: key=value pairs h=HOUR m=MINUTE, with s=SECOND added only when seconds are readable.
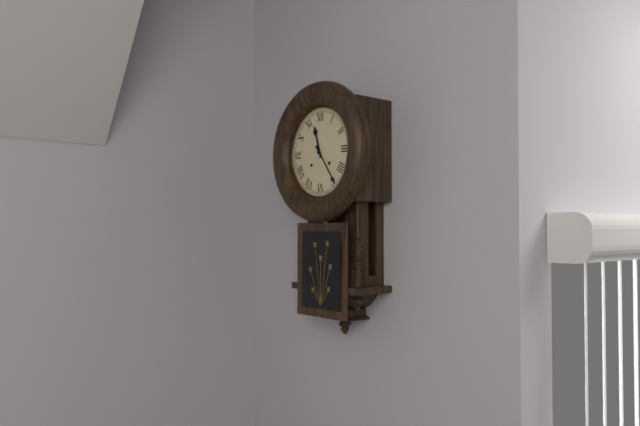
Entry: h=11 m=24
